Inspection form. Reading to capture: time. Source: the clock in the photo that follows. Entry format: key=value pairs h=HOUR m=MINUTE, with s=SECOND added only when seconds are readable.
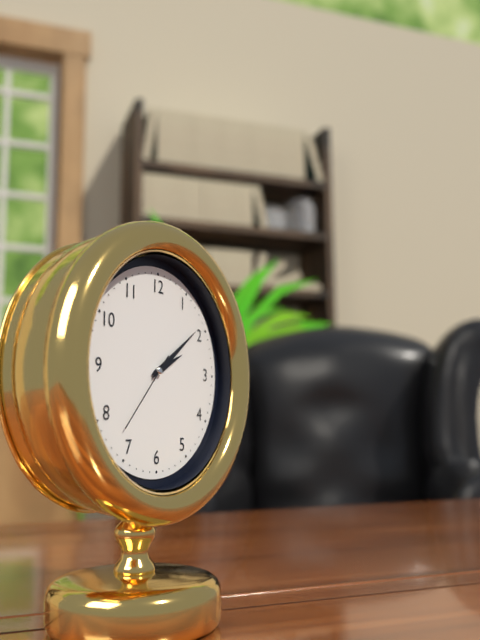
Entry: h=2 m=9 s=37
